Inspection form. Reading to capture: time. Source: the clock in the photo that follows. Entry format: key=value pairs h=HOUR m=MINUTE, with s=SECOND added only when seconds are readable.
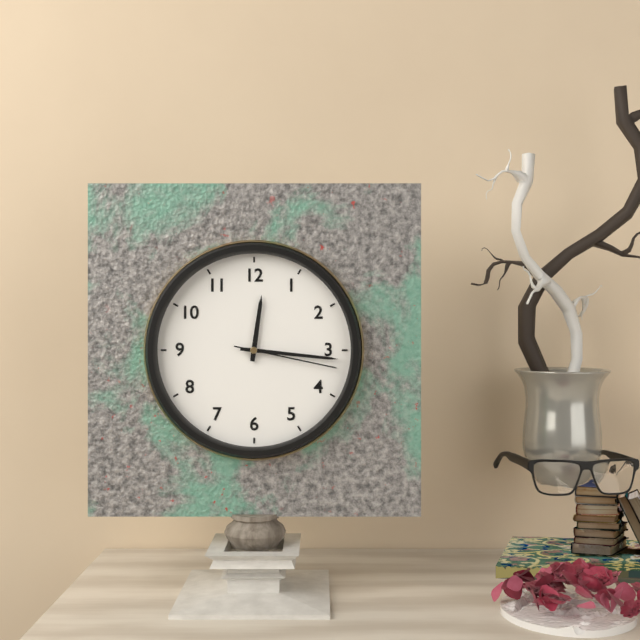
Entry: h=12 m=16 s=17
